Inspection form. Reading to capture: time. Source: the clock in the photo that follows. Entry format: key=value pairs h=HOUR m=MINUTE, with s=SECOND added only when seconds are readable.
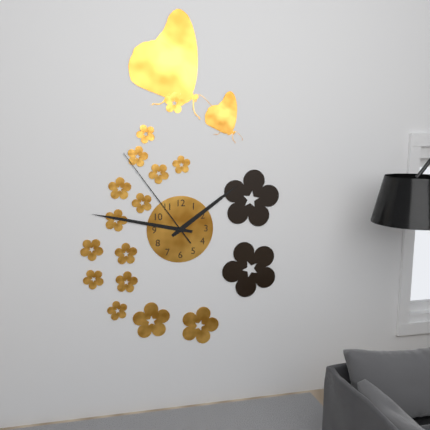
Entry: h=1 m=47 s=54
